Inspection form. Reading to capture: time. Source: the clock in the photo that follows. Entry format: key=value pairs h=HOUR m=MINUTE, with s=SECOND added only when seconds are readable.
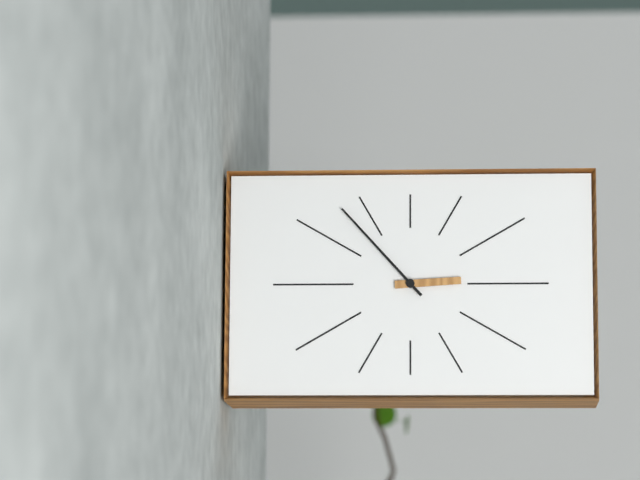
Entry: h=2 m=53
